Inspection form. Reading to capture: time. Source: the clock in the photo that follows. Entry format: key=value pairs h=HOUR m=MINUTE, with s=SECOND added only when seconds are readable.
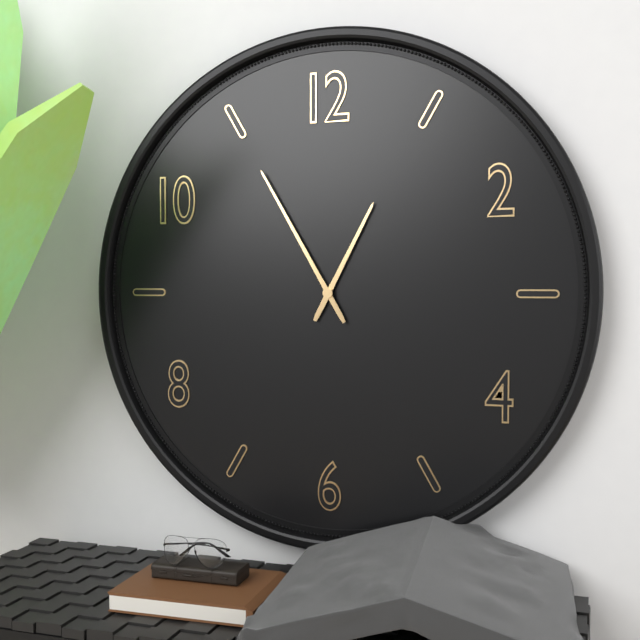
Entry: h=12 m=55
